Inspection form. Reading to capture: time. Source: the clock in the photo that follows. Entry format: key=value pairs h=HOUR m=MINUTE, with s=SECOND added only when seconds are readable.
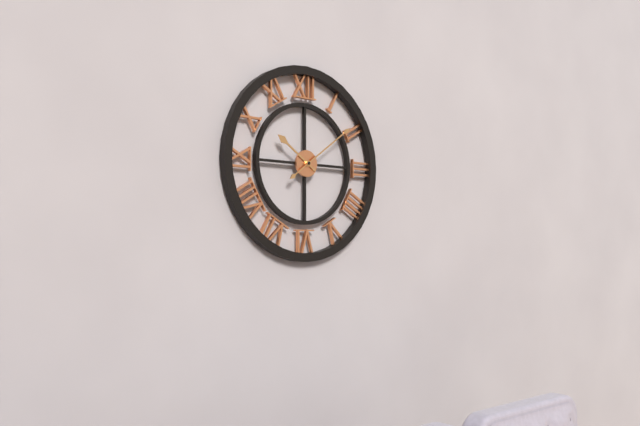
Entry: h=10 m=9
